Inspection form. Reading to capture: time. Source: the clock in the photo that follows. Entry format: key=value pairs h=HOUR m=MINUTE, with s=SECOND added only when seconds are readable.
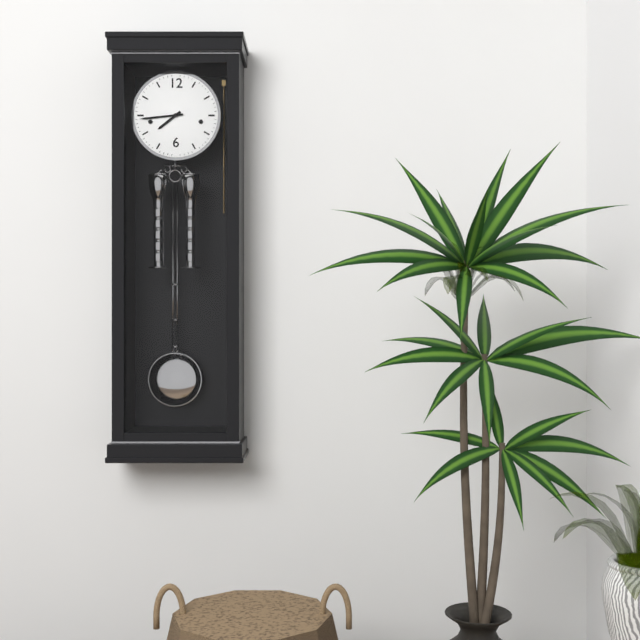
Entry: h=7 m=44
